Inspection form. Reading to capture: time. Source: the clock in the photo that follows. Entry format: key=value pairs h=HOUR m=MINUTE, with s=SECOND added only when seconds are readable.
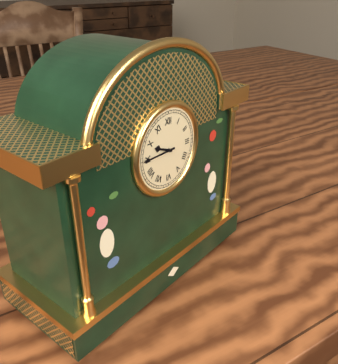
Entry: h=9 m=45
